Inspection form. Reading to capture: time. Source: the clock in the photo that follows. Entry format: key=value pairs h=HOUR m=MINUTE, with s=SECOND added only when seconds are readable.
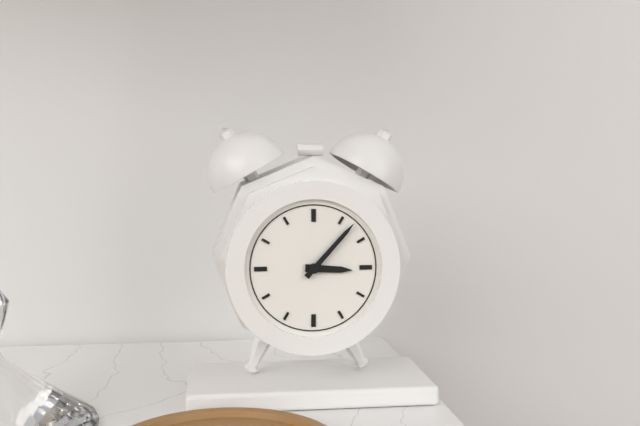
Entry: h=3 m=7
